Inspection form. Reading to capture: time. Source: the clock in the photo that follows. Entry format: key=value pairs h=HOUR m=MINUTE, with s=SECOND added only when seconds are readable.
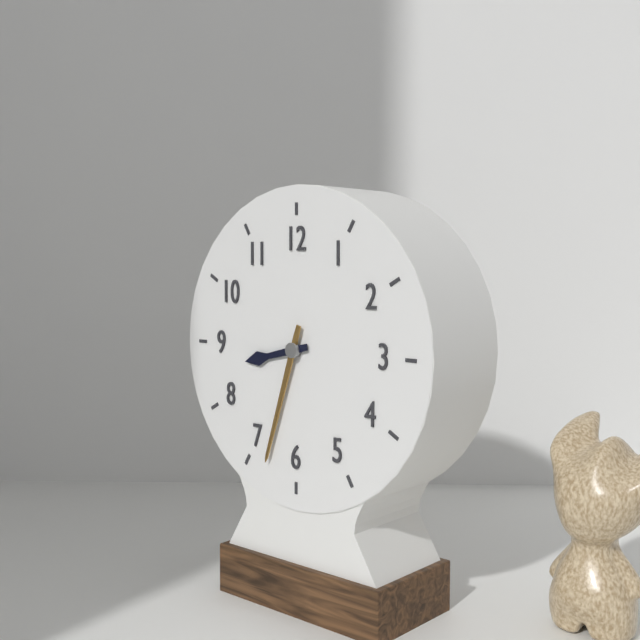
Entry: h=8 m=33
